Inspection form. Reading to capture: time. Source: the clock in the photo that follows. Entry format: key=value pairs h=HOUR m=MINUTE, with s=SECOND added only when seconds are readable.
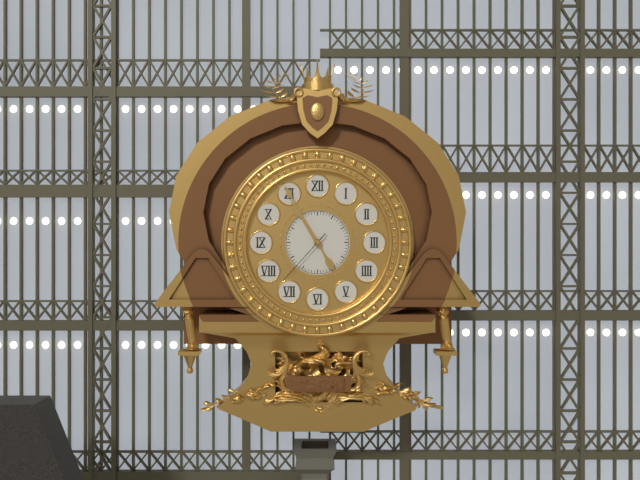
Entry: h=10 m=55 s=37
